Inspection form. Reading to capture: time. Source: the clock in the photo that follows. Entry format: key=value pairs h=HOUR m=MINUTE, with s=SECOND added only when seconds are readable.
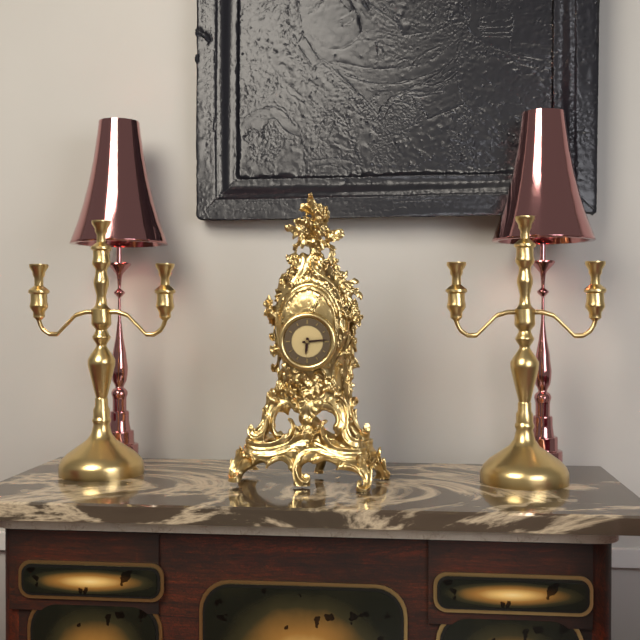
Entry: h=6 m=14
